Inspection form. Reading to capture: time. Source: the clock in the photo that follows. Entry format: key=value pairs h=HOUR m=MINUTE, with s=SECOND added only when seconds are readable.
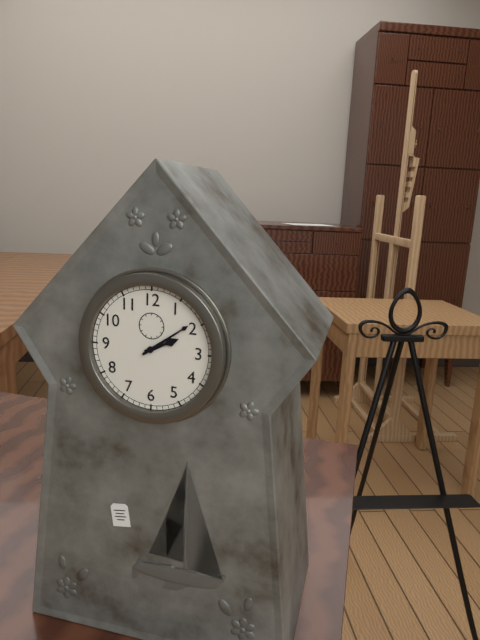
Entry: h=2 m=9
